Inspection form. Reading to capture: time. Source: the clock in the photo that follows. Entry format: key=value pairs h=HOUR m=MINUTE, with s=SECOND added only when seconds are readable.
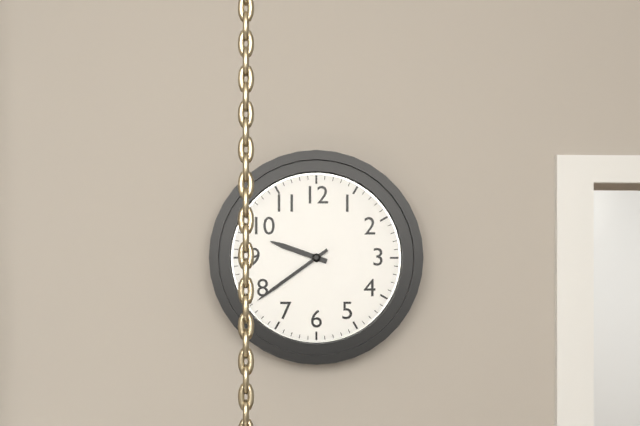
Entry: h=9 m=39
